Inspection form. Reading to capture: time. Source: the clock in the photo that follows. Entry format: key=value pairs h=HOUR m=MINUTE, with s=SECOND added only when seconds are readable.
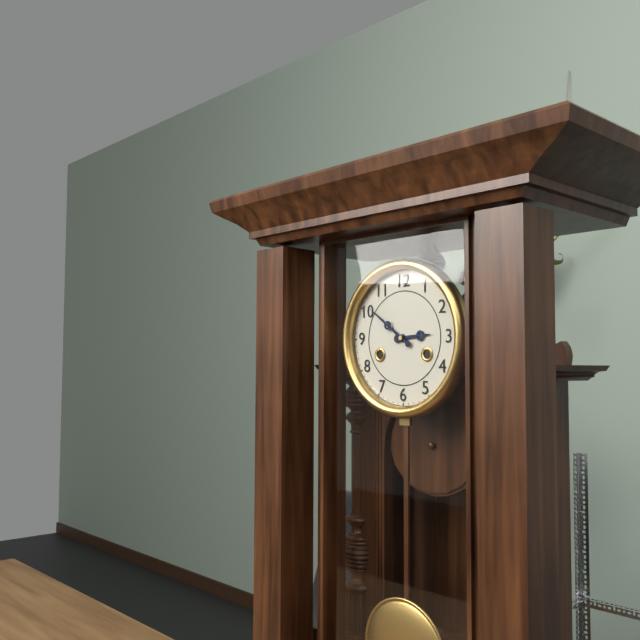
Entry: h=2 m=51
